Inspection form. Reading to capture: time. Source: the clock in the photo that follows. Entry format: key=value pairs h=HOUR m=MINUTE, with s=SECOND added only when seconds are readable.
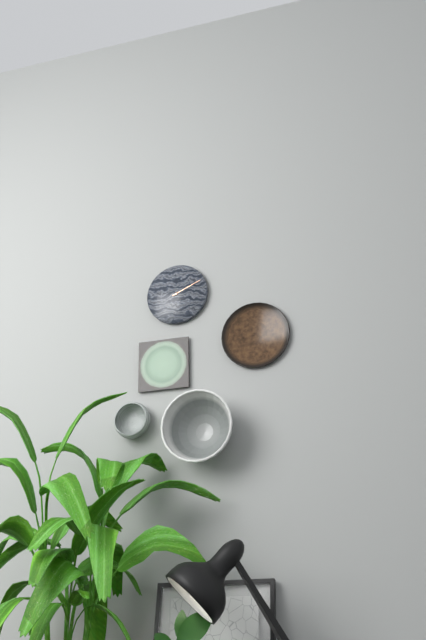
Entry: h=2 m=11
